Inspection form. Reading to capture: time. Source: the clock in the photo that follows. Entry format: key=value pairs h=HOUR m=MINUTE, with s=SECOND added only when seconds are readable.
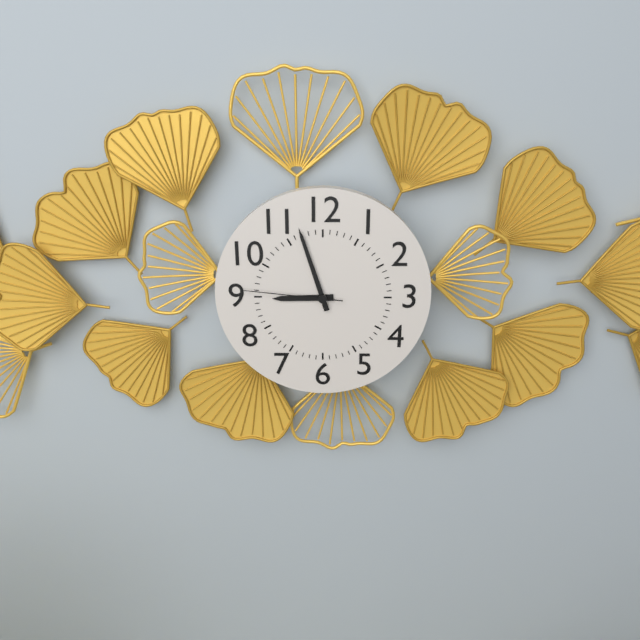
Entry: h=8 m=57 s=46
